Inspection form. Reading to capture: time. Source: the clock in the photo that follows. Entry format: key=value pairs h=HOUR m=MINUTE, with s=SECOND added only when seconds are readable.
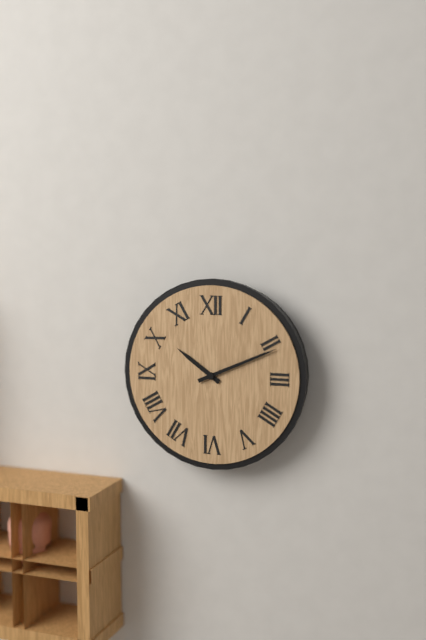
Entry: h=10 m=11
